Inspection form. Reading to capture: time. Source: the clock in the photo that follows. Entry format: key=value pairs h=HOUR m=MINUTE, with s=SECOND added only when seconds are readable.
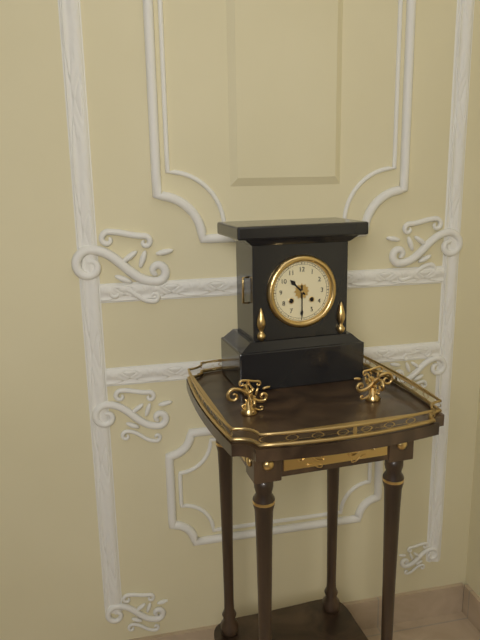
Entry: h=10 m=30
